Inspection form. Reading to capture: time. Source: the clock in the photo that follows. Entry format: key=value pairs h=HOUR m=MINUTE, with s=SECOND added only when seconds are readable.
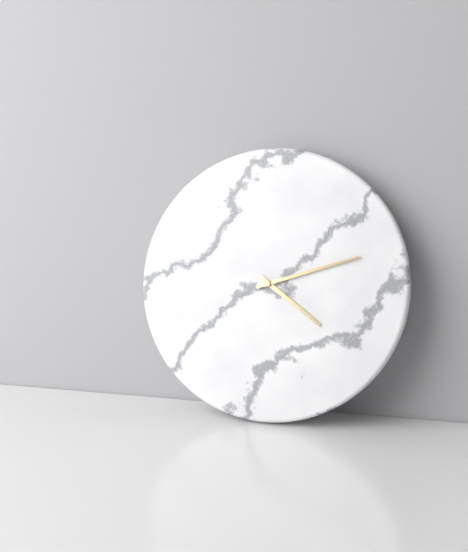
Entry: h=4 m=12
